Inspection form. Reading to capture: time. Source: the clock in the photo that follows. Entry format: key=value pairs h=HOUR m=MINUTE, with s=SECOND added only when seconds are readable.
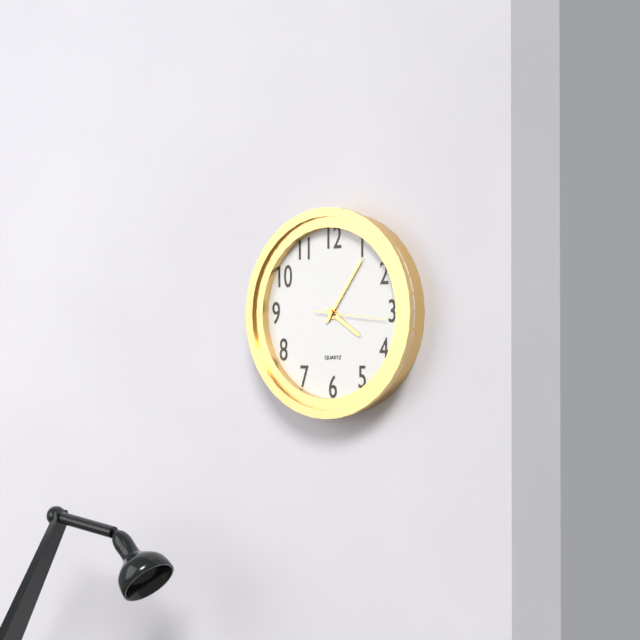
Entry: h=4 m=6 s=16
